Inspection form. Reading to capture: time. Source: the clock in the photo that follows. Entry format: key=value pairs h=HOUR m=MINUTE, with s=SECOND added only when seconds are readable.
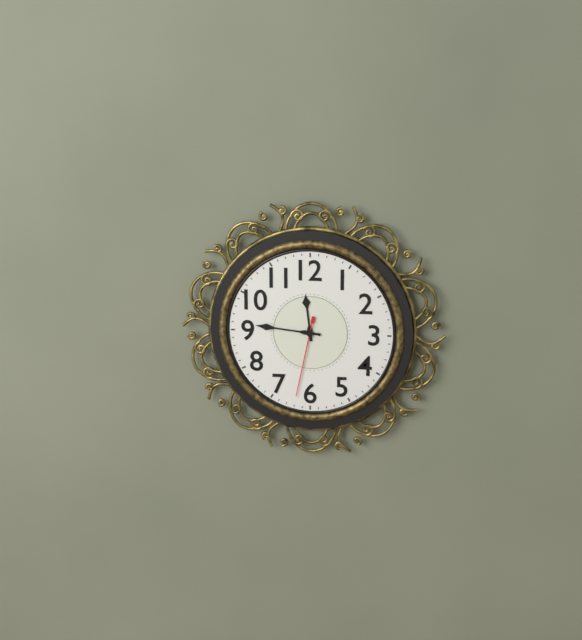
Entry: h=11 m=46 s=32
